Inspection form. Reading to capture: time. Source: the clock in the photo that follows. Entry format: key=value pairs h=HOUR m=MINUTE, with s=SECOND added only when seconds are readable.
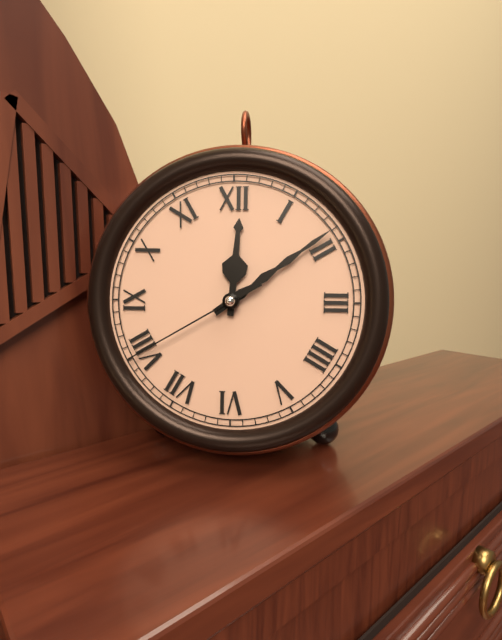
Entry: h=12 m=9 s=40
